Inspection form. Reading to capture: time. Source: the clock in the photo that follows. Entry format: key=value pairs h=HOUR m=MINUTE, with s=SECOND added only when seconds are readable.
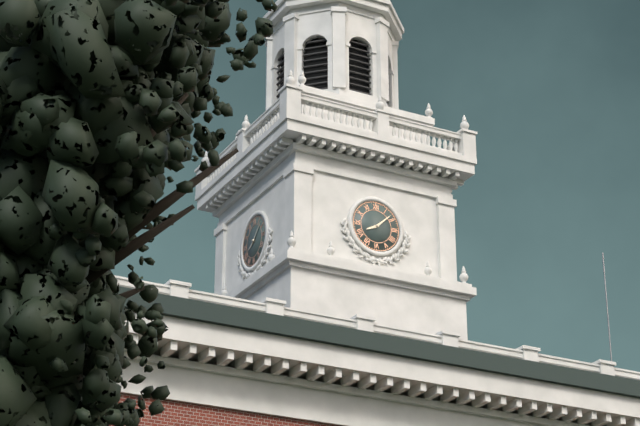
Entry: h=8 m=8
